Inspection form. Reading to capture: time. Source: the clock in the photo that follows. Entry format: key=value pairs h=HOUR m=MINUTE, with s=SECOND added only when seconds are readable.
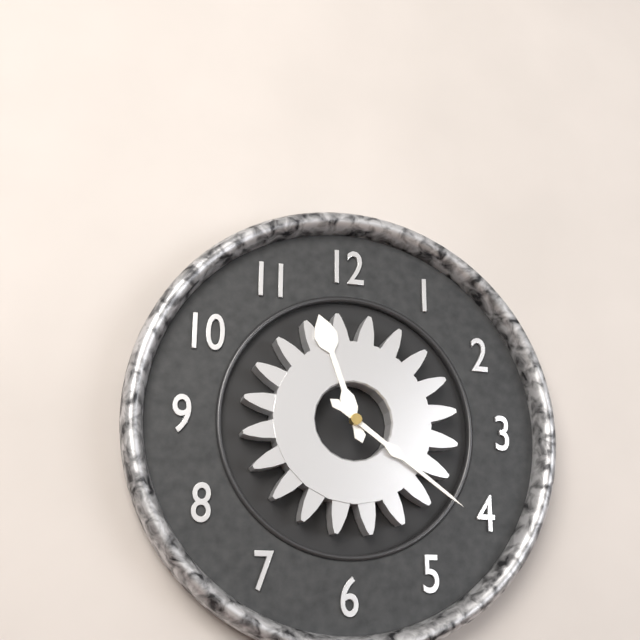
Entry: h=11 m=21
